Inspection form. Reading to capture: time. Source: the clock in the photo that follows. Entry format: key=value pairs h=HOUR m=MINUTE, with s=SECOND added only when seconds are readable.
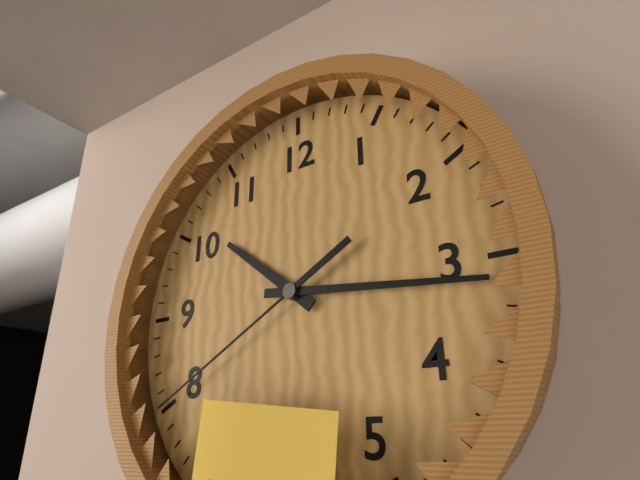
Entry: h=10 m=16 s=40
